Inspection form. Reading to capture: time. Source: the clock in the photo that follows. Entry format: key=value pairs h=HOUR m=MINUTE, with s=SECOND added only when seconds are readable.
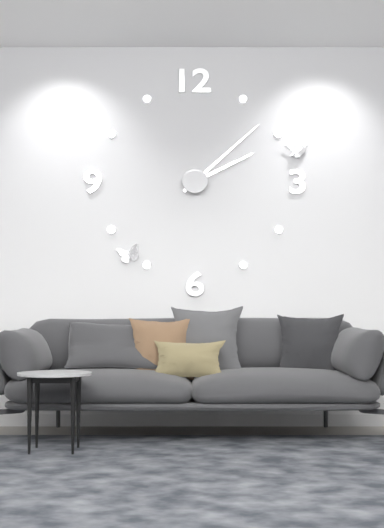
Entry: h=2 m=8
